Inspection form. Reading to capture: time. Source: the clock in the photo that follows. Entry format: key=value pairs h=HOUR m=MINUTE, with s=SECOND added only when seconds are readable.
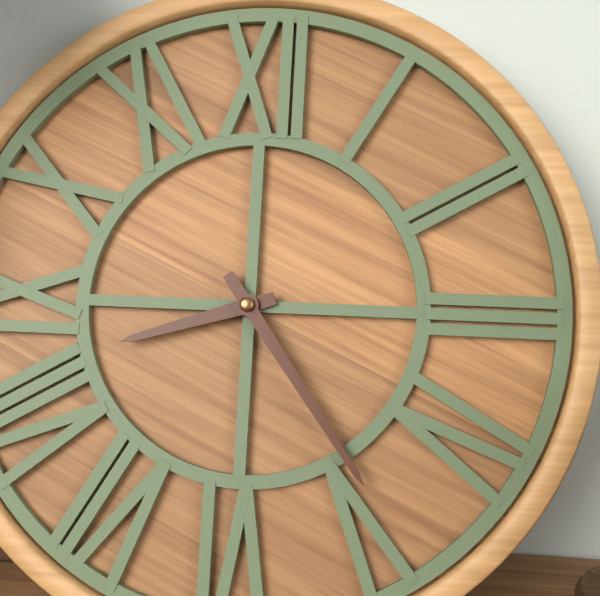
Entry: h=8 m=24
